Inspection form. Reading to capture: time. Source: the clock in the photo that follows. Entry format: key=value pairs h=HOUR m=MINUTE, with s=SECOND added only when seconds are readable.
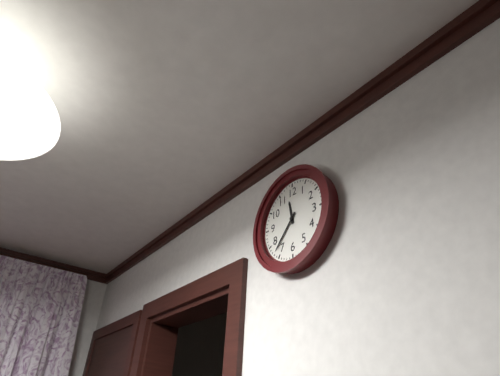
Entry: h=11 m=37
